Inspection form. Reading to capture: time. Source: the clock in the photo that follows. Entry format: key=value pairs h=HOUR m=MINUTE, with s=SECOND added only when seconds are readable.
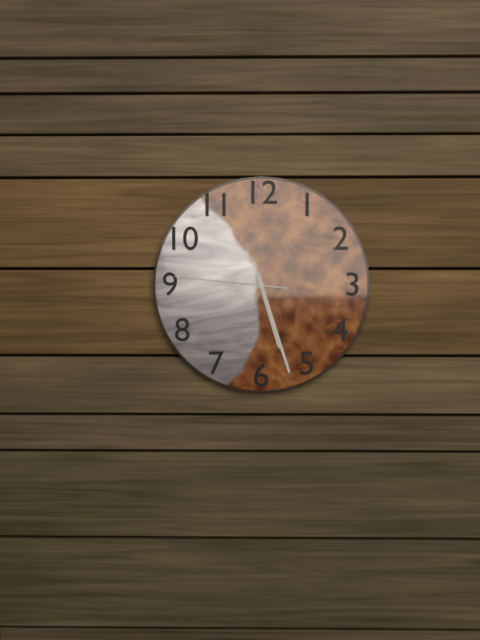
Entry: h=5 m=27 s=46
